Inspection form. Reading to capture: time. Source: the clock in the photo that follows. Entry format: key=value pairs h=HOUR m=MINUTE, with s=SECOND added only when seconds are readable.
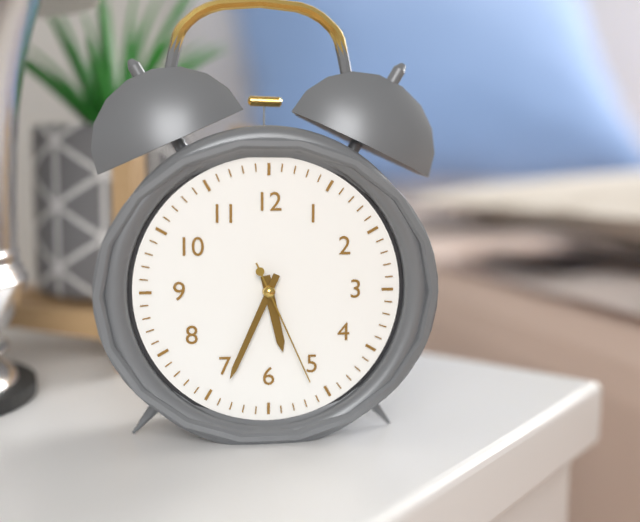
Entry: h=5 m=34 s=26
